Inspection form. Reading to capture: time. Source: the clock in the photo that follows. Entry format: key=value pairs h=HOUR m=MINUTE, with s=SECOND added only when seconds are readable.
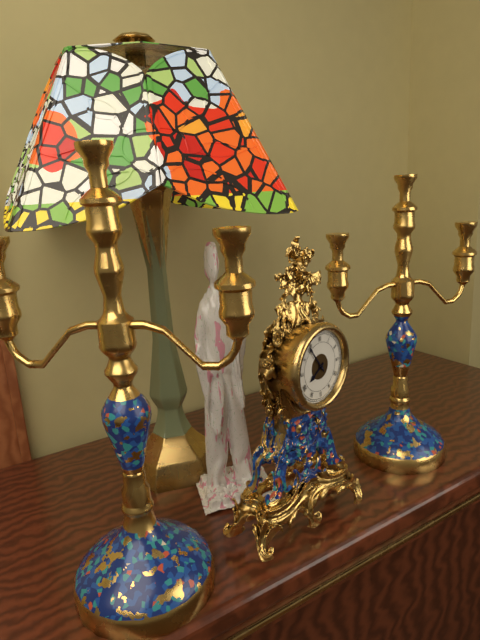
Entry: h=7 m=54
